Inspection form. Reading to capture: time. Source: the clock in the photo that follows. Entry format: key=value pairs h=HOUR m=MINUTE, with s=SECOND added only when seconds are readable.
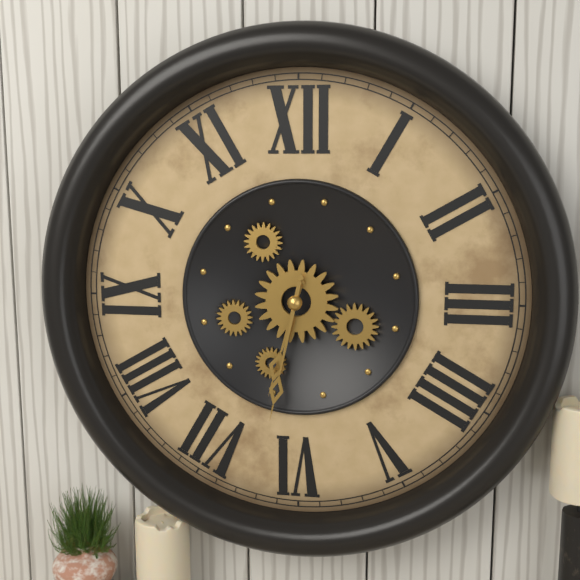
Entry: h=6 m=32
